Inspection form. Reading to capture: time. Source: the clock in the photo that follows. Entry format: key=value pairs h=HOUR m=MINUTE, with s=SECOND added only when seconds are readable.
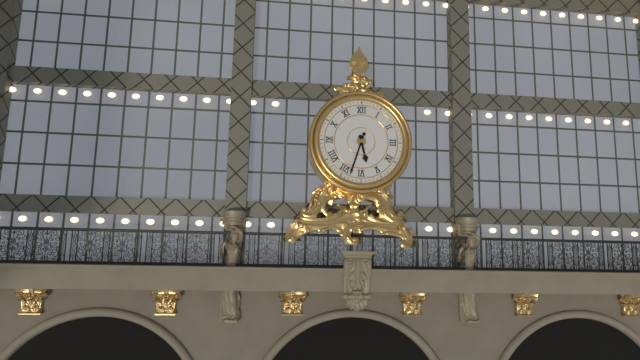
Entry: h=5 m=33
